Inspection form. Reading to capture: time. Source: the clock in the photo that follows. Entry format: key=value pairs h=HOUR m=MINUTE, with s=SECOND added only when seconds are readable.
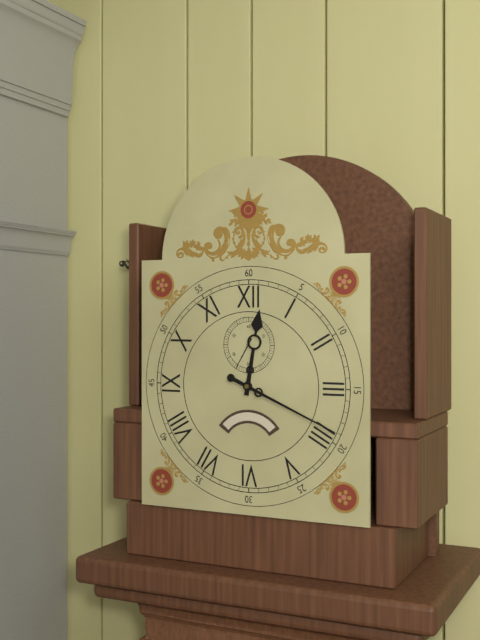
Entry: h=12 m=19
